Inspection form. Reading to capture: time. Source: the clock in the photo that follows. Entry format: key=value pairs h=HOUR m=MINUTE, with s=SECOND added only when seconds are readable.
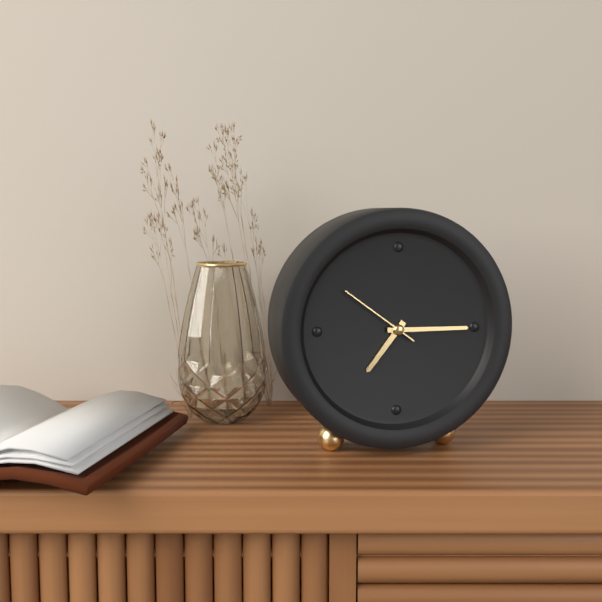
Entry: h=7 m=15 s=51
